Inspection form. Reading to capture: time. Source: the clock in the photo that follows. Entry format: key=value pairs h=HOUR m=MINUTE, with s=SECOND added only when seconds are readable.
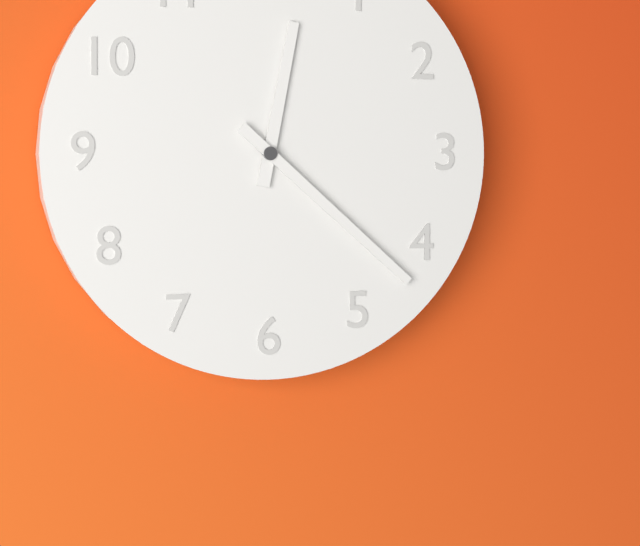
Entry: h=12 m=22
